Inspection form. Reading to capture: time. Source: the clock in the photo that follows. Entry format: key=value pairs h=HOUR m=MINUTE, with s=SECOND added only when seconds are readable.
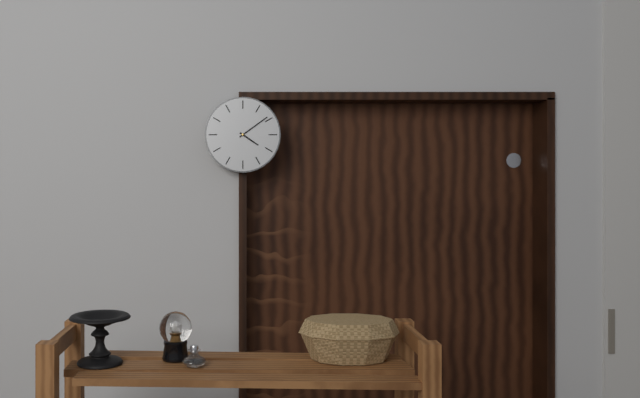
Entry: h=4 m=9
